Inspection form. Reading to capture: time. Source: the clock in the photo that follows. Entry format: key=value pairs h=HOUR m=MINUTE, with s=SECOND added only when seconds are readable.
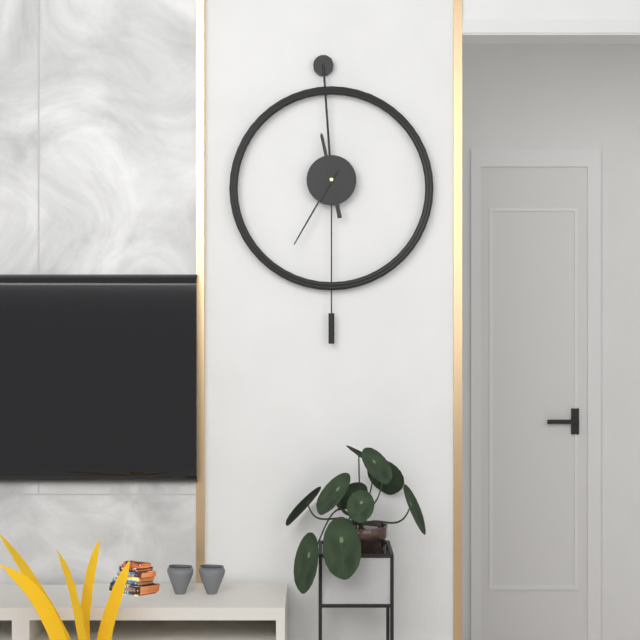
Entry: h=11 m=35
